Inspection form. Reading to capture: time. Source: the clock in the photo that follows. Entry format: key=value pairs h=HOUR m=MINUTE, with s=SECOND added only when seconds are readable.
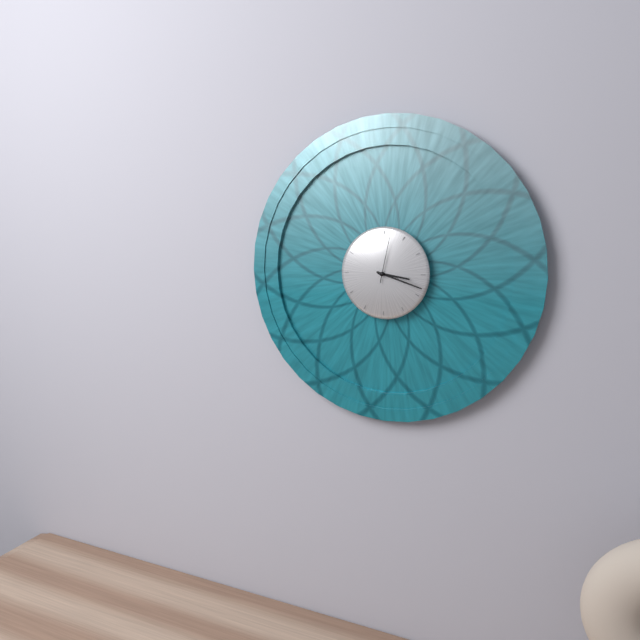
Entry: h=3 m=18
